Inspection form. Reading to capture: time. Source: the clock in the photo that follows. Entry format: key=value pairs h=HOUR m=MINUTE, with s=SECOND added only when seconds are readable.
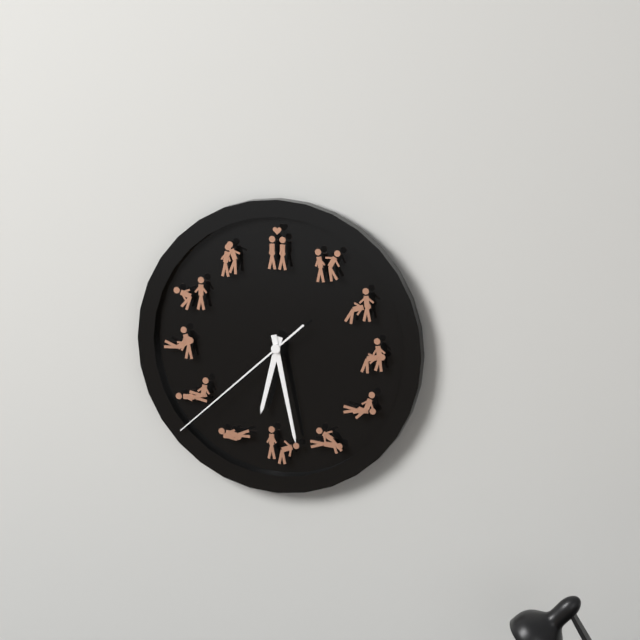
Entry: h=6 m=28 s=38
